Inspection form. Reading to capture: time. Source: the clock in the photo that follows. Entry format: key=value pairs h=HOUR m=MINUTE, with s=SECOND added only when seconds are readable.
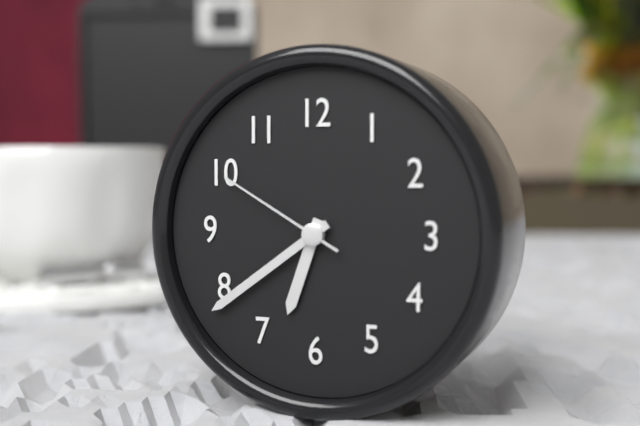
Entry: h=6 m=39 s=50
